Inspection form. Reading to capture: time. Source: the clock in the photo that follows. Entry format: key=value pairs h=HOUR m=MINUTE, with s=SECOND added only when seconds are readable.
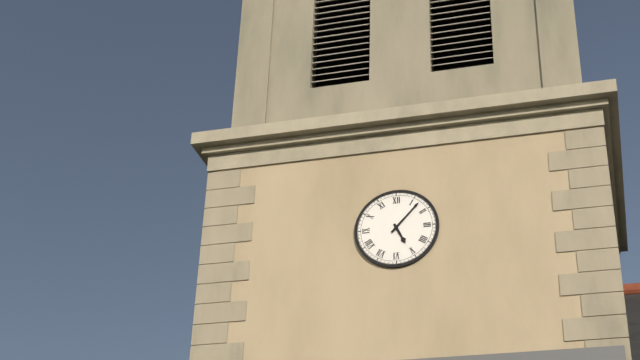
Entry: h=5 m=7
